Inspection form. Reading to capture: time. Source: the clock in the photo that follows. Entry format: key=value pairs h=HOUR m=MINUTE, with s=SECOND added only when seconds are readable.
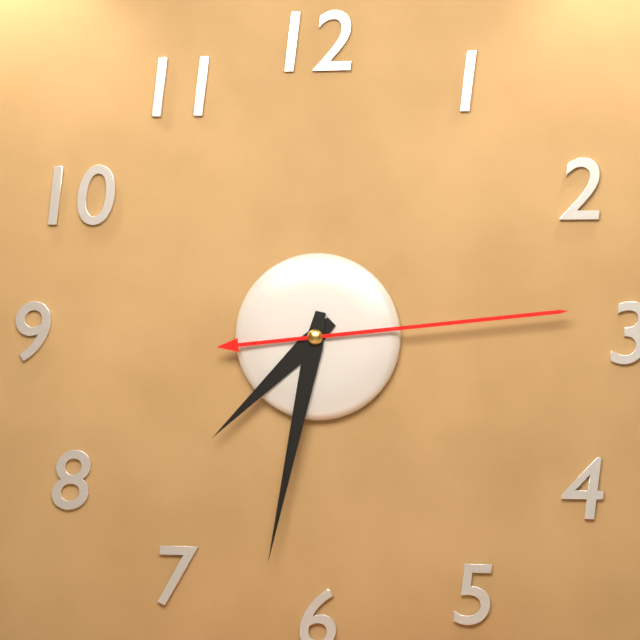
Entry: h=7 m=32 s=14
